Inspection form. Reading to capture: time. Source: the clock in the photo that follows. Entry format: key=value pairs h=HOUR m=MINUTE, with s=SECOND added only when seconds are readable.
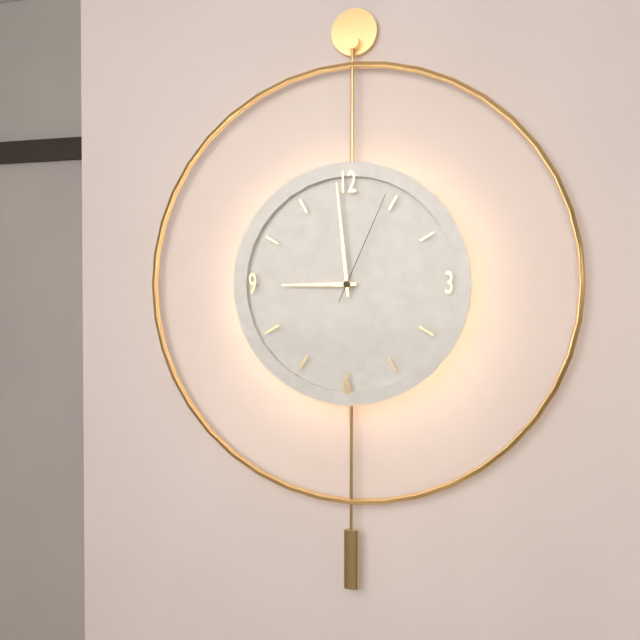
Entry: h=8 m=59 s=4
